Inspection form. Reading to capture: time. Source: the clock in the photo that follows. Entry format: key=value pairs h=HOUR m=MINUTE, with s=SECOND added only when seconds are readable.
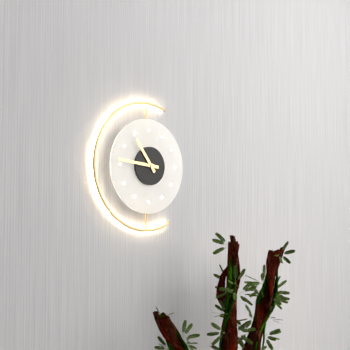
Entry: h=10 m=46
